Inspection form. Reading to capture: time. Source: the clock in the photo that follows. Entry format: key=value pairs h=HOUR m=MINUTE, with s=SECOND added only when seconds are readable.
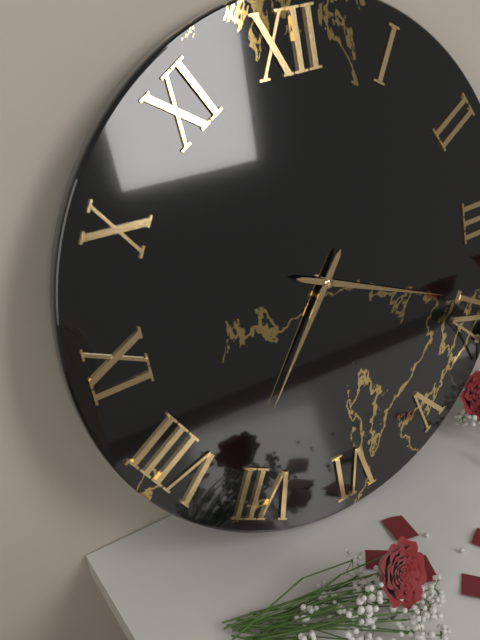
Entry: h=7 m=19
